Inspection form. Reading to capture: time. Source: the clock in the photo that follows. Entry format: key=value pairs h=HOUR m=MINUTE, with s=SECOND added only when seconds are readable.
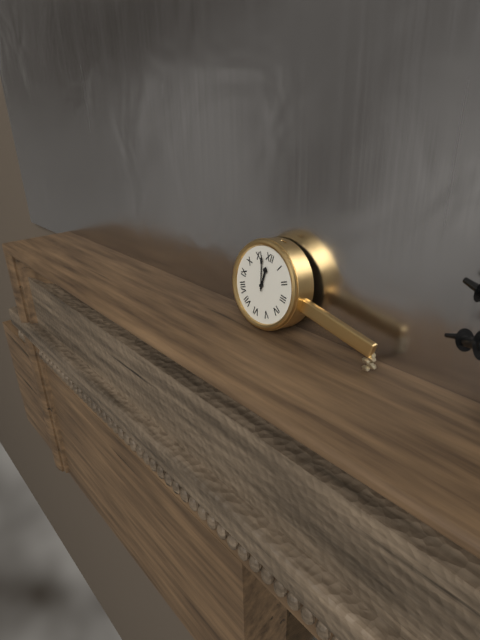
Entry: h=11 m=57
